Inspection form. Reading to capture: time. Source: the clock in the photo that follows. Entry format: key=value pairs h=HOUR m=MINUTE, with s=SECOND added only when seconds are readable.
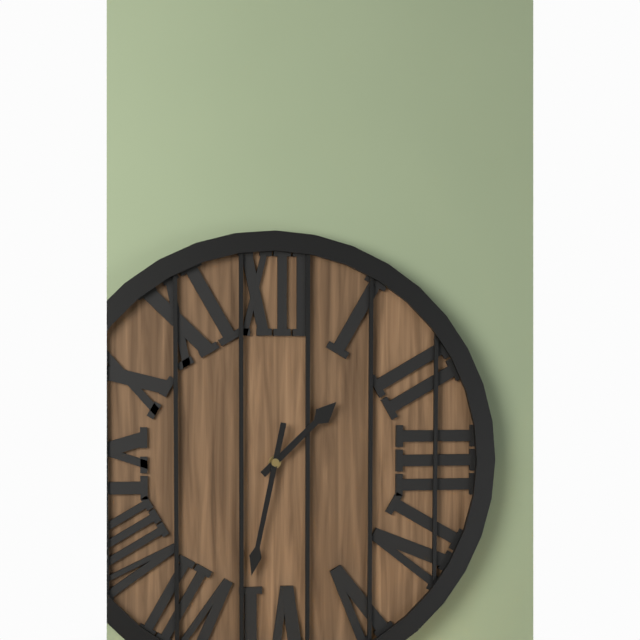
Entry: h=1 m=32
